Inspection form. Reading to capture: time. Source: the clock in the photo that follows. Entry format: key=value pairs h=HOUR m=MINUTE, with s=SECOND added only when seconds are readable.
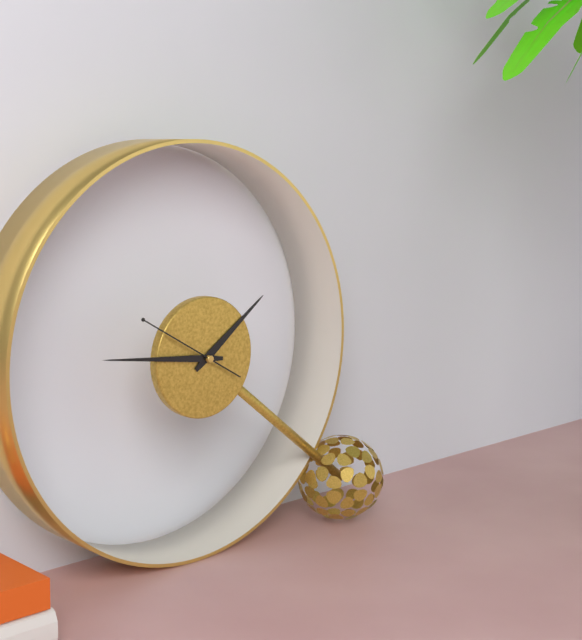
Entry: h=1 m=46 s=50
